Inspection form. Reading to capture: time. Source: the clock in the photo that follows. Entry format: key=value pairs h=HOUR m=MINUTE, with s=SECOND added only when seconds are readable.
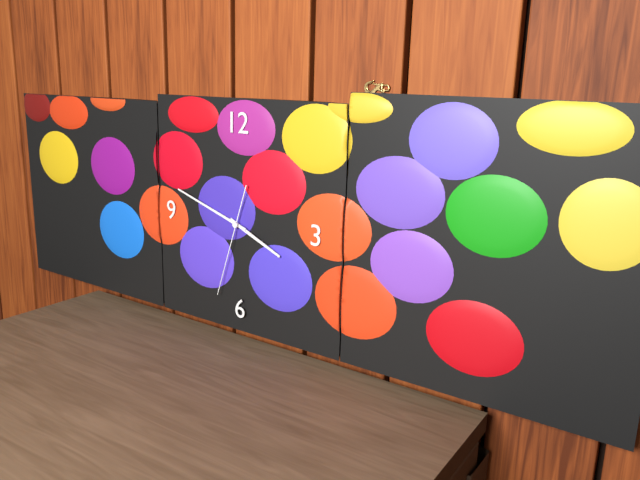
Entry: h=3 m=48 s=33
